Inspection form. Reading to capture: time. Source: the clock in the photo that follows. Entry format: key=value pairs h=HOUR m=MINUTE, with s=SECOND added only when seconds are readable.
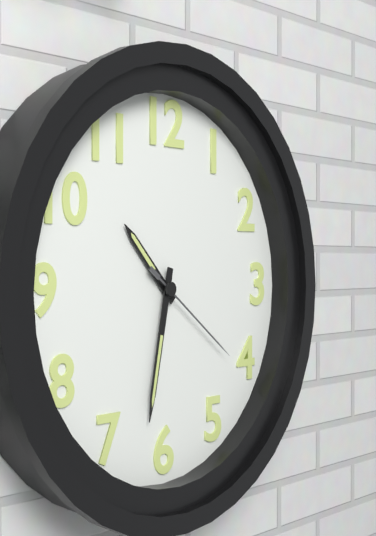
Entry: h=10 m=32 s=21
